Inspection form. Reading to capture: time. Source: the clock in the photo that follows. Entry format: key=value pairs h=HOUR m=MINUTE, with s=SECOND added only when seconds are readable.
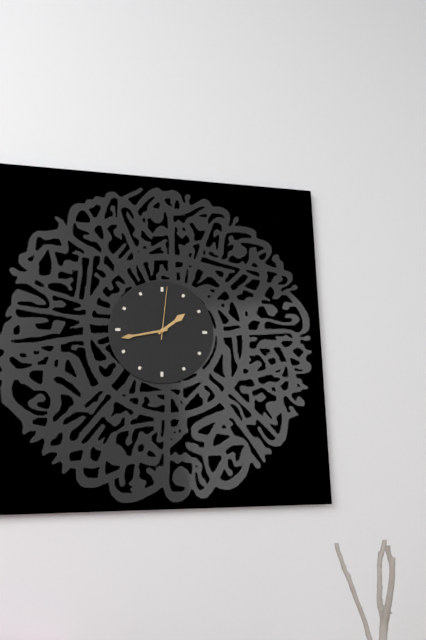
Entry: h=1 m=43 s=1
